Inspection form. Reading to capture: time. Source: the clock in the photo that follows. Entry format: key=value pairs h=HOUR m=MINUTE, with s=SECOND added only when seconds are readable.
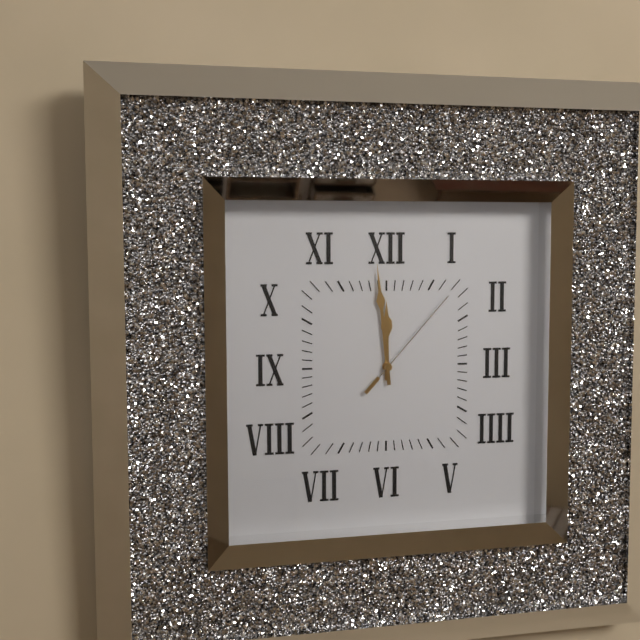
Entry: h=11 m=59 s=7
